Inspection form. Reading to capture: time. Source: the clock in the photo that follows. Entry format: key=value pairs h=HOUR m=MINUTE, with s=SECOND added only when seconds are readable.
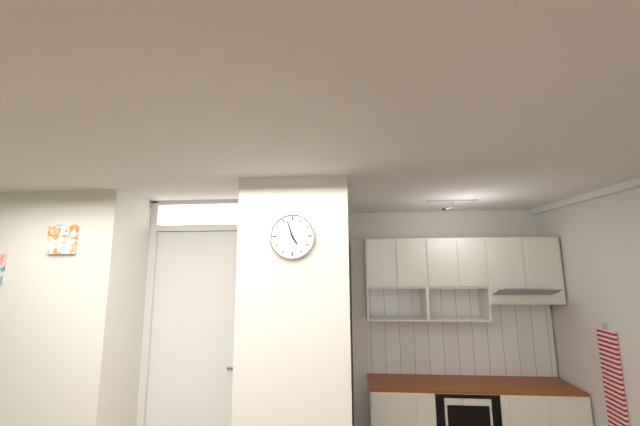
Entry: h=4 m=57
